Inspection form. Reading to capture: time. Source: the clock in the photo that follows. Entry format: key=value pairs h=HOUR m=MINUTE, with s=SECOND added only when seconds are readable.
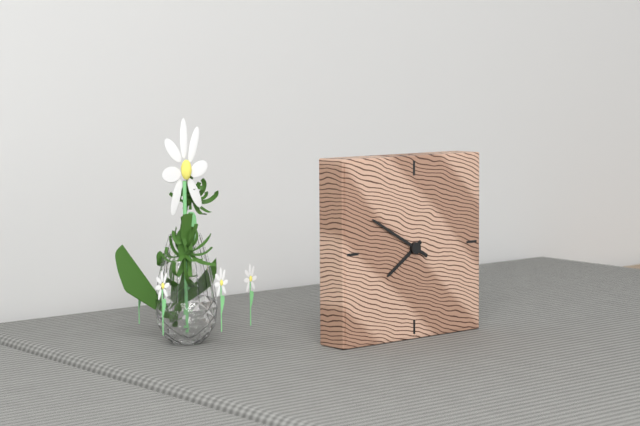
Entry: h=7 m=50
